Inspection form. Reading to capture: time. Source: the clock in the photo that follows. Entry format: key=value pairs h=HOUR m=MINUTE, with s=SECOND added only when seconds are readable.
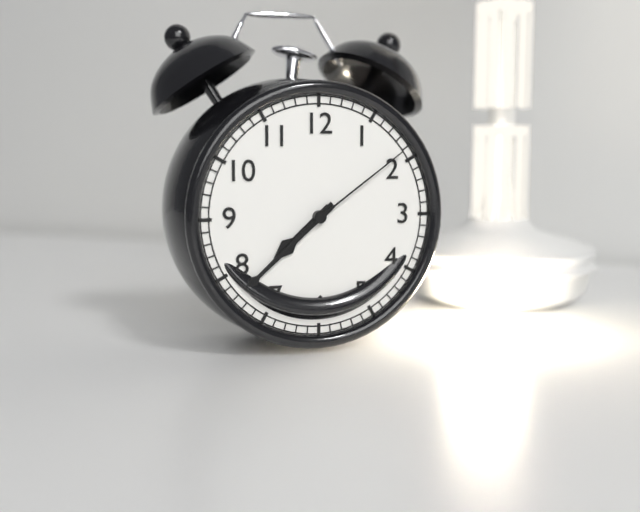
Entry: h=7 m=38 s=9
